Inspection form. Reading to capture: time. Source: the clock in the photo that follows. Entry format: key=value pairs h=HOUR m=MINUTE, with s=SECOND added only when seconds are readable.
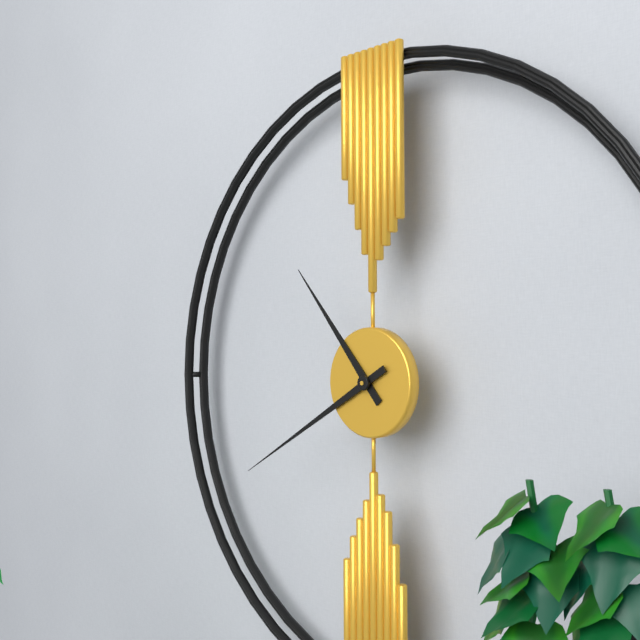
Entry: h=10 m=40
